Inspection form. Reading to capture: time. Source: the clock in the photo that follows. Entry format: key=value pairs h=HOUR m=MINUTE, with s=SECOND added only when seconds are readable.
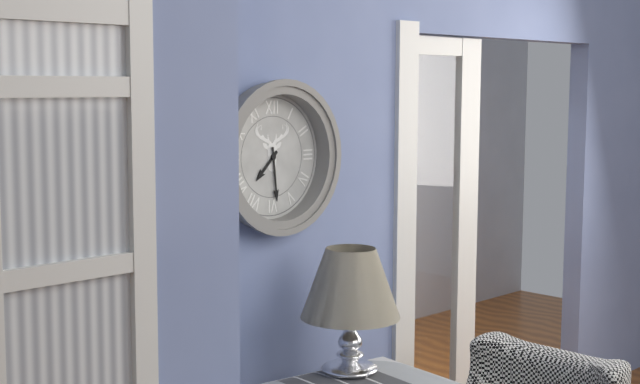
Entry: h=7 m=29
